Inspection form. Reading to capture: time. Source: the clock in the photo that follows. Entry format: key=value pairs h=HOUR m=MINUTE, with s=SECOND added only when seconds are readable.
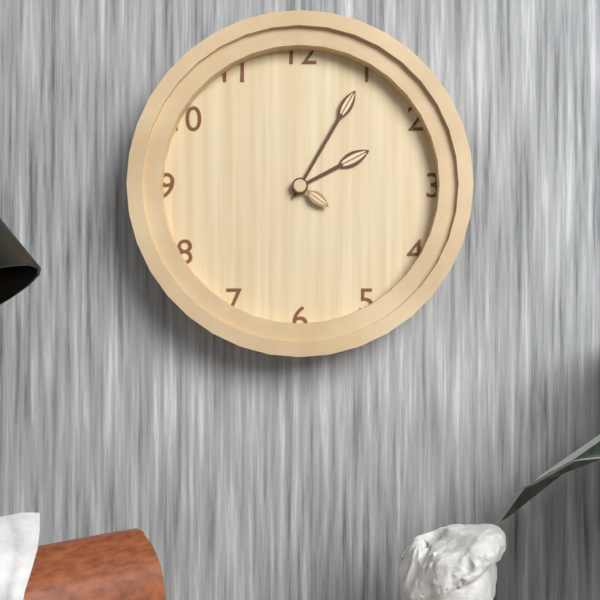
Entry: h=2 m=5
